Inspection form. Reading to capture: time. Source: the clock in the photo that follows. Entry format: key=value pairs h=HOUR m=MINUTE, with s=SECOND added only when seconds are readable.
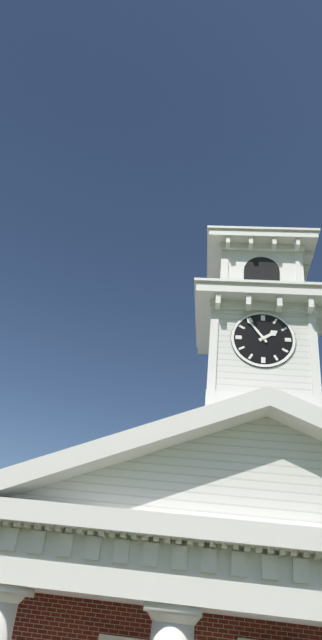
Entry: h=1 m=54
